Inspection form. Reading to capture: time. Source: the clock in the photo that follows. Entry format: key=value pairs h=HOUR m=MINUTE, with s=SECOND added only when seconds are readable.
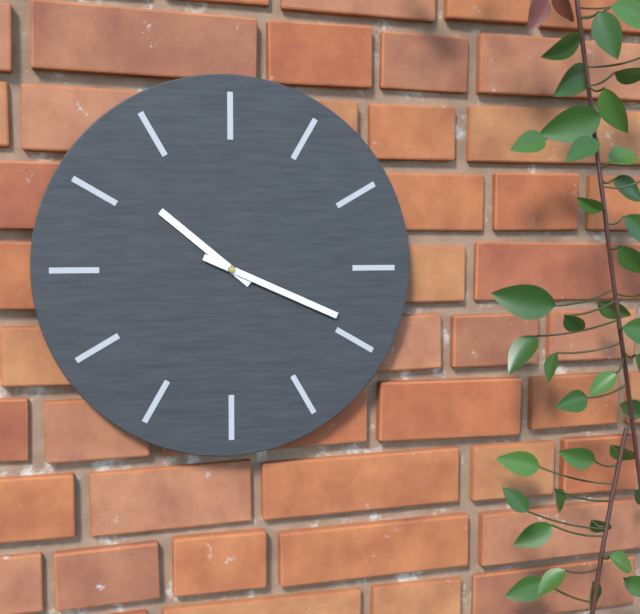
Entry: h=10 m=19
